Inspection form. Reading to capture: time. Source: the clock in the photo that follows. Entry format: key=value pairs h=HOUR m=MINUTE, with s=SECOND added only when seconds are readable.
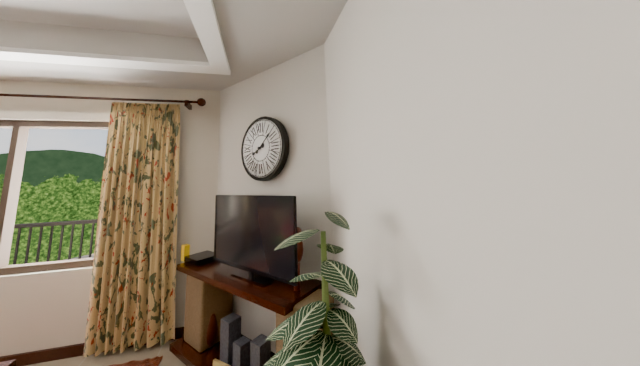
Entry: h=8 m=8
